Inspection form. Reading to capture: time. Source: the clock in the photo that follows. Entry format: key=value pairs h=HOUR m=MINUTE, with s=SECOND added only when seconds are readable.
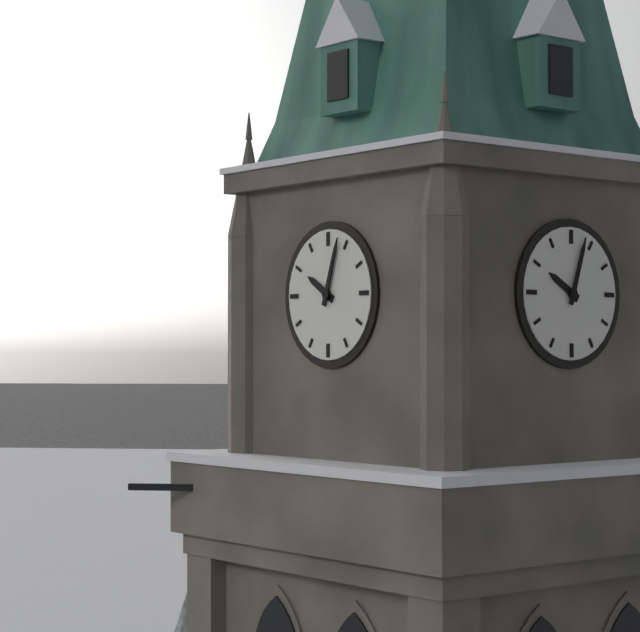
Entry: h=10 m=3
